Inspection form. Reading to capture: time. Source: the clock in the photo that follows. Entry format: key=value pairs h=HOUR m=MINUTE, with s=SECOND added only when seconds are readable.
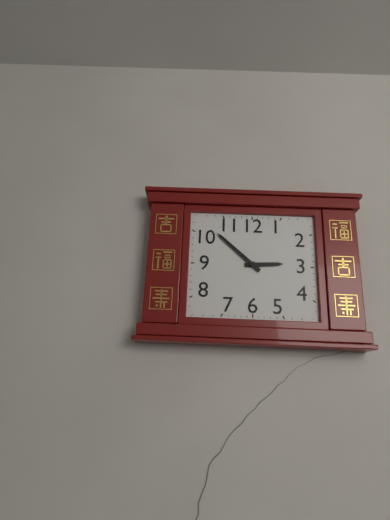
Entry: h=2 m=52
